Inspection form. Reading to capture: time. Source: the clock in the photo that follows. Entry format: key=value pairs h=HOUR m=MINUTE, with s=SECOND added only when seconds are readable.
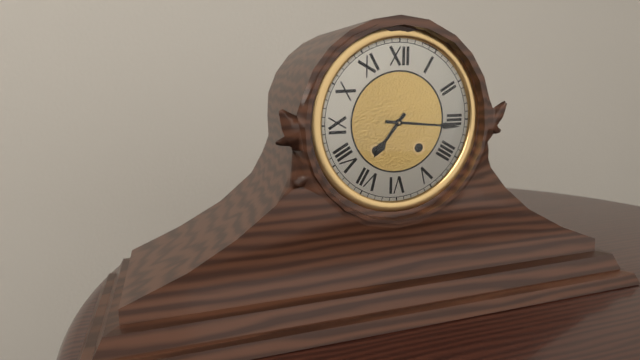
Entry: h=7 m=16
